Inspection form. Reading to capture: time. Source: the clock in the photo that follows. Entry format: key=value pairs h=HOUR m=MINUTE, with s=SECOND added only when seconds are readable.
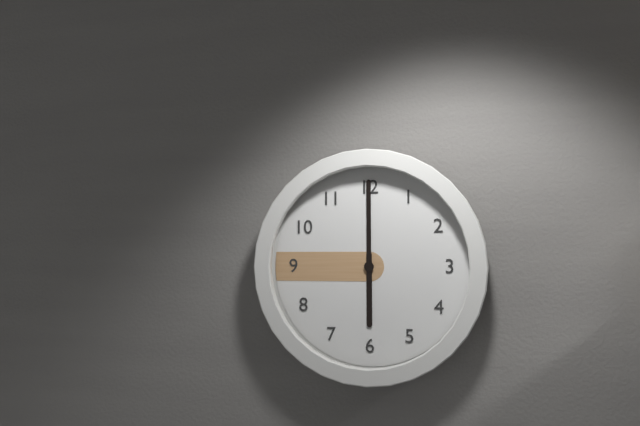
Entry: h=6 m=0
